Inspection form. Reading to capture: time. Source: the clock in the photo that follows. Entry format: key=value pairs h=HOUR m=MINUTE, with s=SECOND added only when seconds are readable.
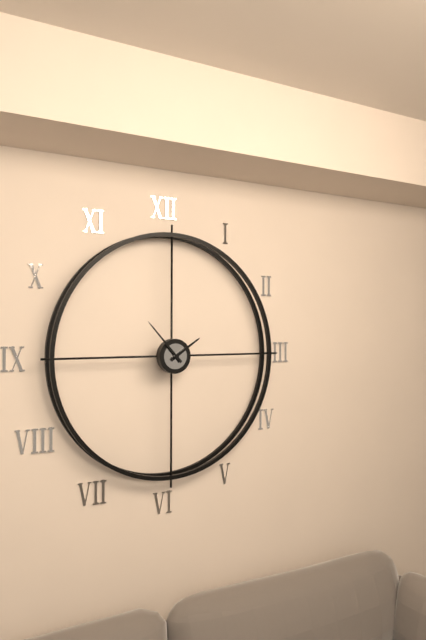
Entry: h=1 m=53
